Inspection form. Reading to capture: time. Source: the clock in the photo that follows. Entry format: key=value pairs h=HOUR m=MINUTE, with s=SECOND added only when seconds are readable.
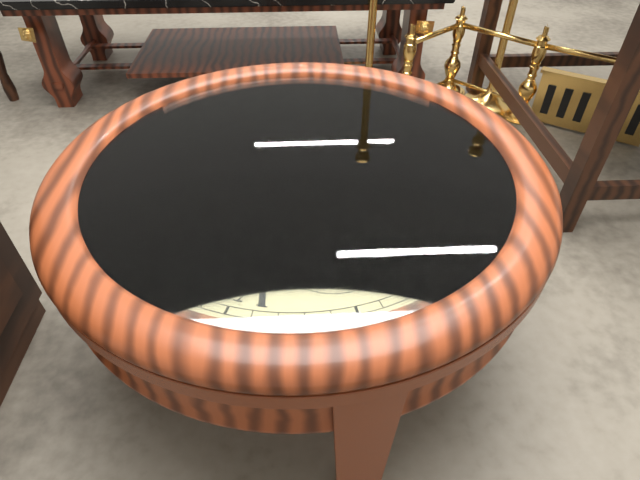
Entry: h=7 m=43 s=54
